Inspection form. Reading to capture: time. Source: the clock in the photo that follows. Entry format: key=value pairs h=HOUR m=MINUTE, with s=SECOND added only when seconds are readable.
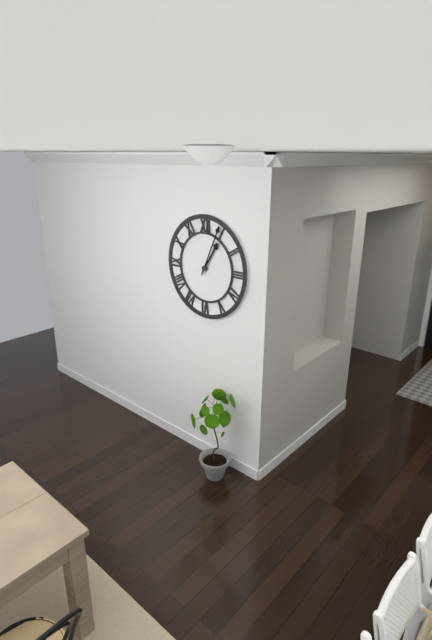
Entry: h=1 m=4
